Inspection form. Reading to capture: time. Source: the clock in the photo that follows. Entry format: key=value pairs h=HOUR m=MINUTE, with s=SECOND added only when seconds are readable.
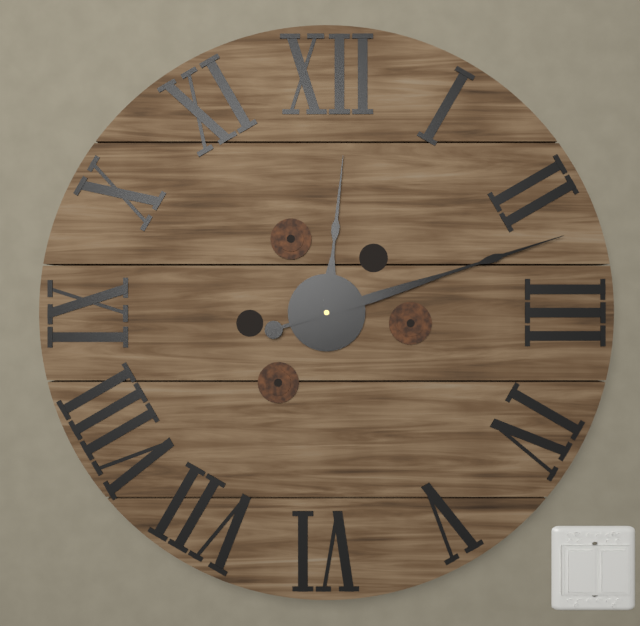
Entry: h=12 m=12
